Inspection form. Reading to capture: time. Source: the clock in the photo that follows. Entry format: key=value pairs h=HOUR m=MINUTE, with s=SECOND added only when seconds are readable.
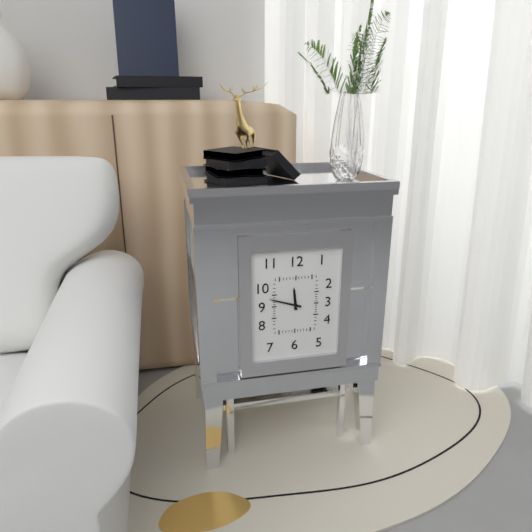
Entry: h=11 m=48
